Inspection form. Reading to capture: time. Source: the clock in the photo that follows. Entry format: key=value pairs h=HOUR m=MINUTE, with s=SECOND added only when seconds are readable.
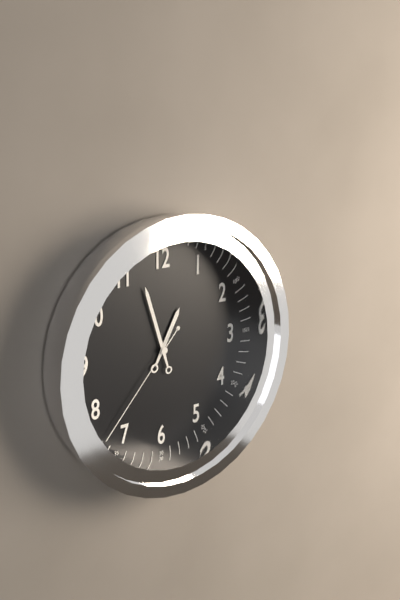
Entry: h=12 m=57 s=37
